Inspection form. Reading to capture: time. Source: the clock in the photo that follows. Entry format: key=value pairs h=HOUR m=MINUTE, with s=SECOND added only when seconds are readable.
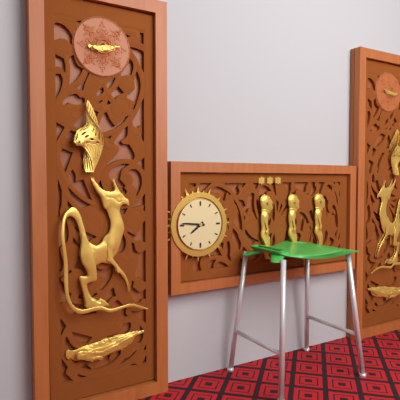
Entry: h=7 m=46
